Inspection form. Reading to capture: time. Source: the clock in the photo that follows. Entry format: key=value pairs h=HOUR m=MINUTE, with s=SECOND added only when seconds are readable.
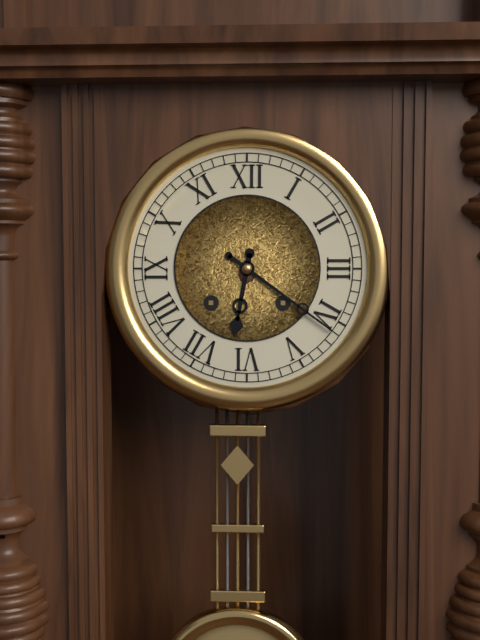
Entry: h=6 m=21
